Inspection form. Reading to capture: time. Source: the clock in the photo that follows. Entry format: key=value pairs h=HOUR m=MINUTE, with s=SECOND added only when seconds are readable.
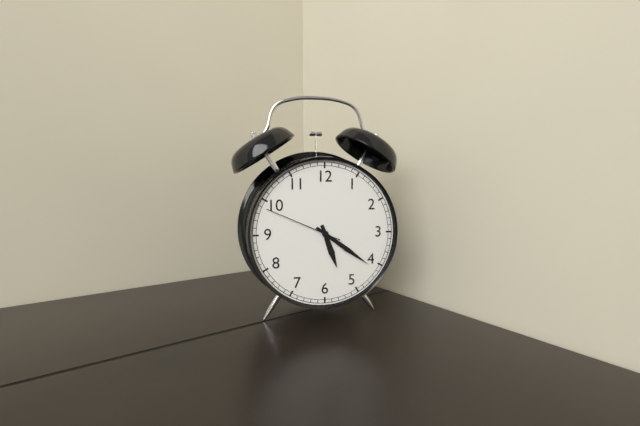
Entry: h=5 m=21 s=49
